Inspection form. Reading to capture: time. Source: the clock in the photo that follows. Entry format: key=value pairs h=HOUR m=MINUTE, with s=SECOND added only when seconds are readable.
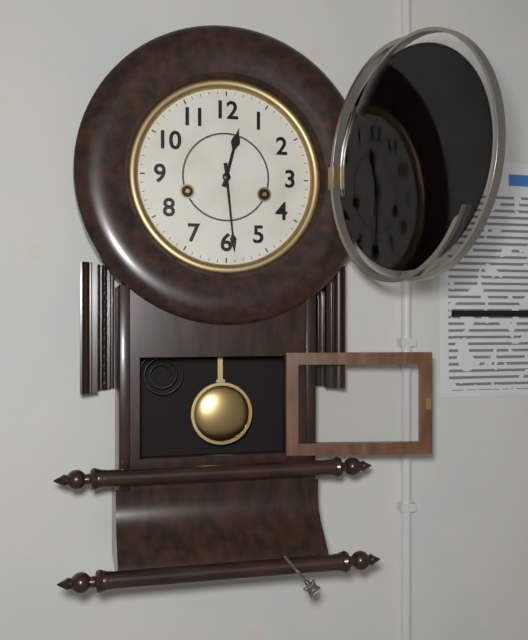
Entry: h=12 m=29
